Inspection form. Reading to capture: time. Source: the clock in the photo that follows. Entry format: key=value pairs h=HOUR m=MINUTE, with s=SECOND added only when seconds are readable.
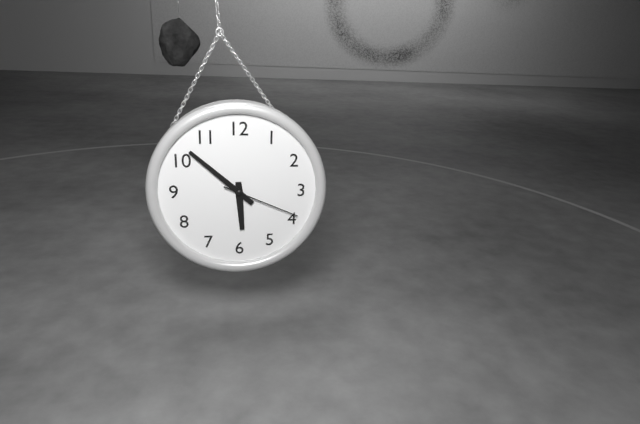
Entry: h=5 m=52 s=19
